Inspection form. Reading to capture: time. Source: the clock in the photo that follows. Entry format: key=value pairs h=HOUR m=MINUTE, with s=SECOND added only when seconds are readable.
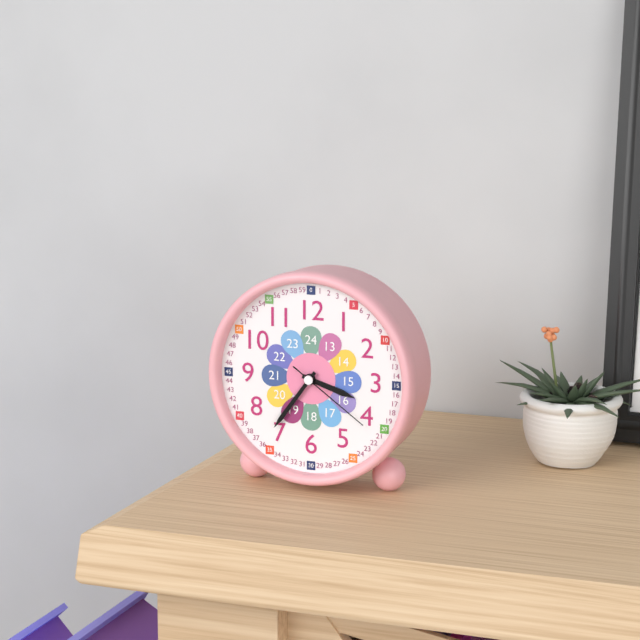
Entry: h=3 m=36 s=21
